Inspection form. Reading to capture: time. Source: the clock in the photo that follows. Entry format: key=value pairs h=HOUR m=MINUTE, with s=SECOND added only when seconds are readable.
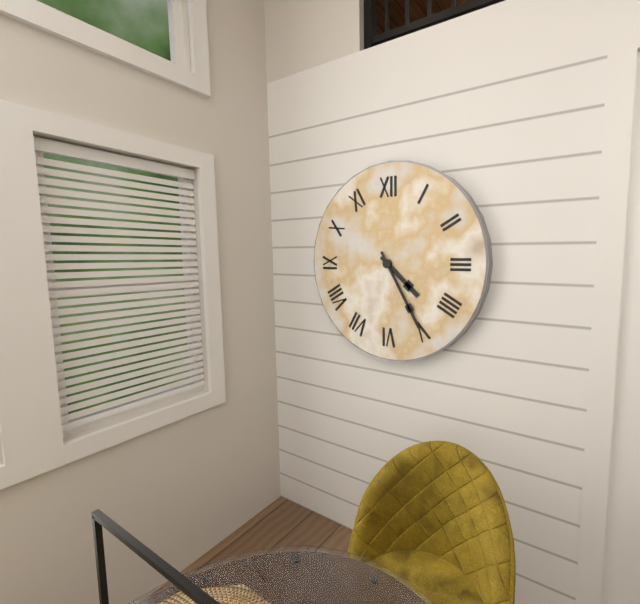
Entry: h=4 m=25
